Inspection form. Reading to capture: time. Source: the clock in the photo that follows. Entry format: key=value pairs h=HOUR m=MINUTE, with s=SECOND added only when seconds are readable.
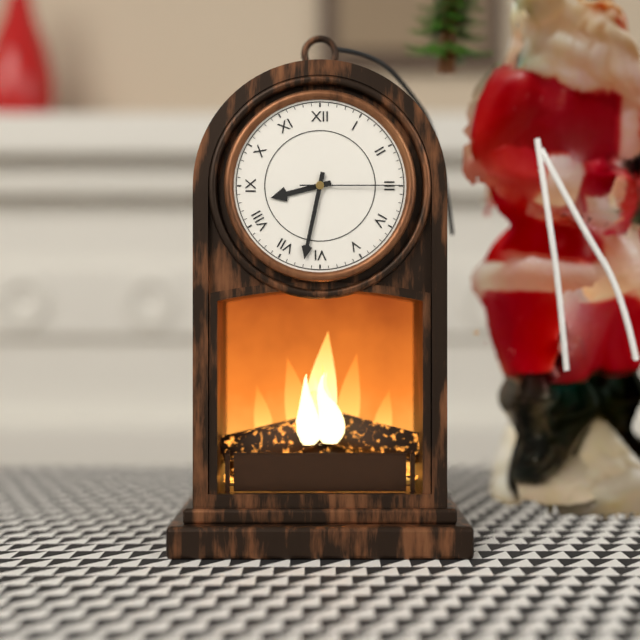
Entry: h=8 m=32 s=15
